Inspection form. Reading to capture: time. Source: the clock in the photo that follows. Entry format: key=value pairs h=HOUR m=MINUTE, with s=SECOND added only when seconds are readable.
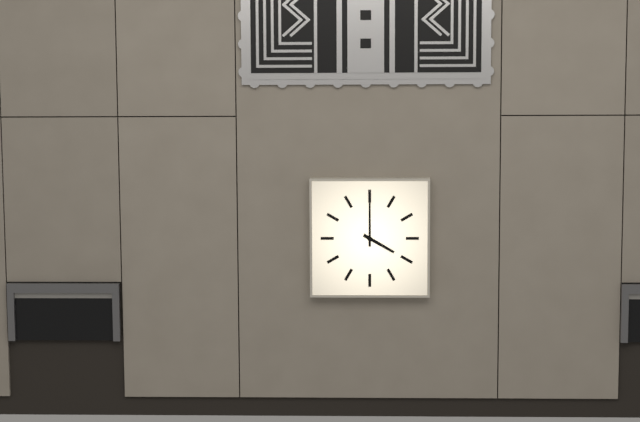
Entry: h=4 m=0
